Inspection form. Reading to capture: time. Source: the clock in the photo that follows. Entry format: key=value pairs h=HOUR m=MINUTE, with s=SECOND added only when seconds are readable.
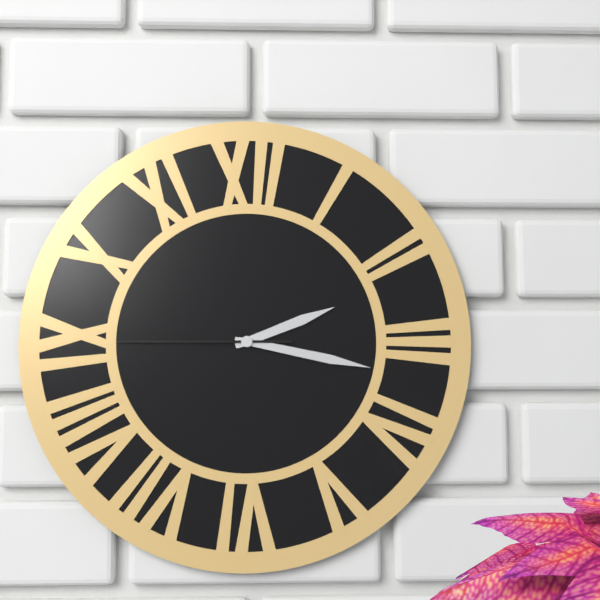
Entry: h=2 m=17 s=45
